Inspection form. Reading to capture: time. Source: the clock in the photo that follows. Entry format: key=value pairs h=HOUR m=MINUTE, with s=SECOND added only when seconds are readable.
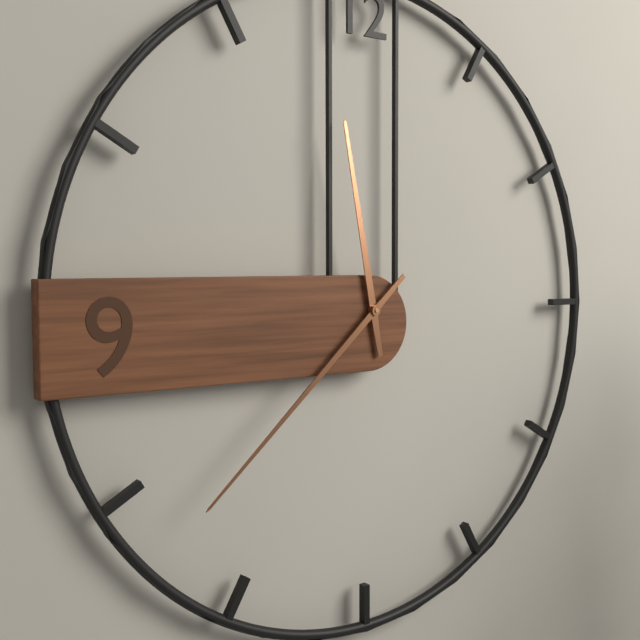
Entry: h=11 m=38
